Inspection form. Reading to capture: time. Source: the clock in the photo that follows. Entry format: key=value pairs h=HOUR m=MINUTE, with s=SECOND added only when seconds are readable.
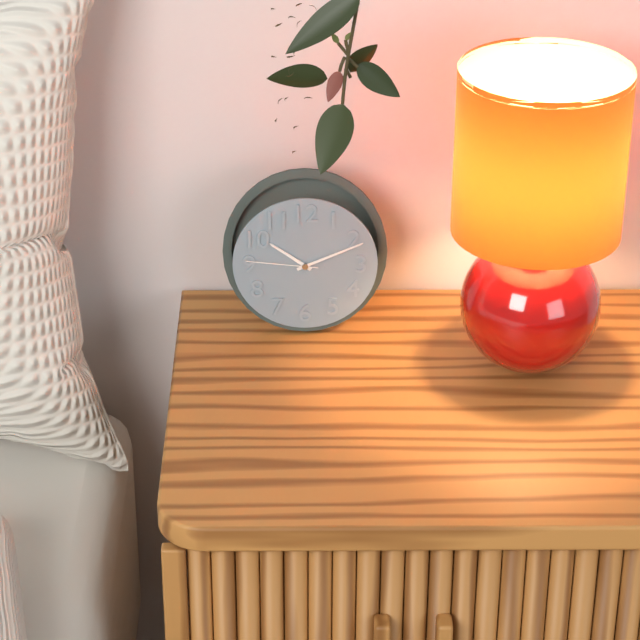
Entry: h=10 m=11 s=46
